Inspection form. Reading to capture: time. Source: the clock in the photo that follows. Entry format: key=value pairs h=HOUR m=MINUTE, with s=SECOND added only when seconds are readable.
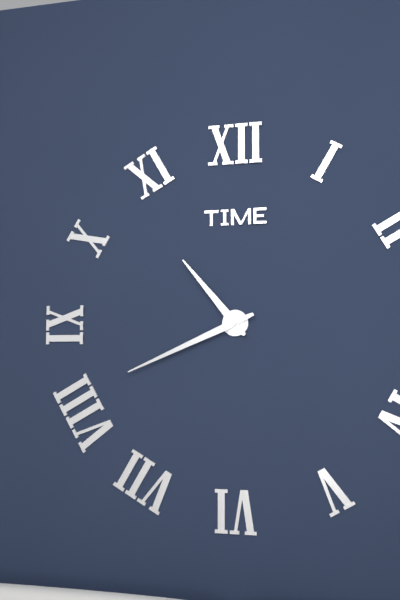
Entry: h=10 m=41
